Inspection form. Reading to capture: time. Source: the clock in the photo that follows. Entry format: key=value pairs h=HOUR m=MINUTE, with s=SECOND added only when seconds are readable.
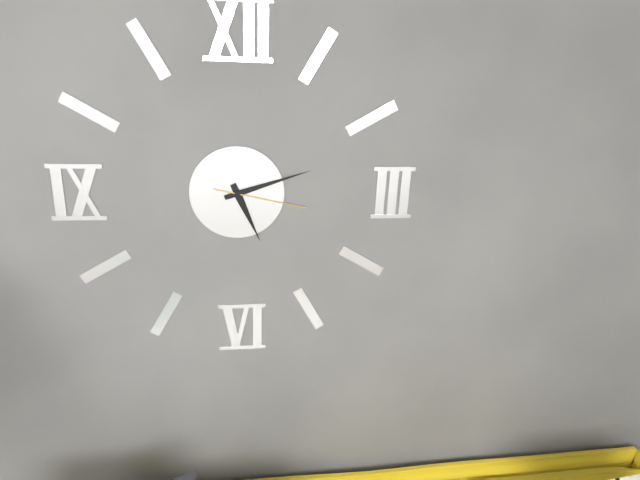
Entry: h=5 m=12 s=17
